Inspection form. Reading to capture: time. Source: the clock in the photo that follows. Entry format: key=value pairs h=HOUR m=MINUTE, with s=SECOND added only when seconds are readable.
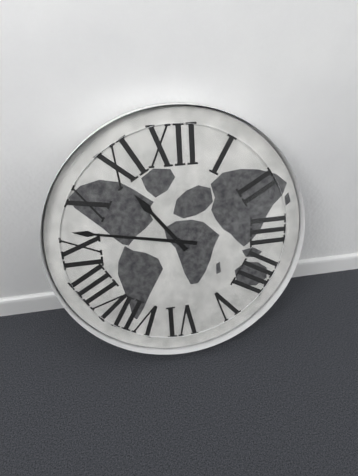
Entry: h=10 m=47
